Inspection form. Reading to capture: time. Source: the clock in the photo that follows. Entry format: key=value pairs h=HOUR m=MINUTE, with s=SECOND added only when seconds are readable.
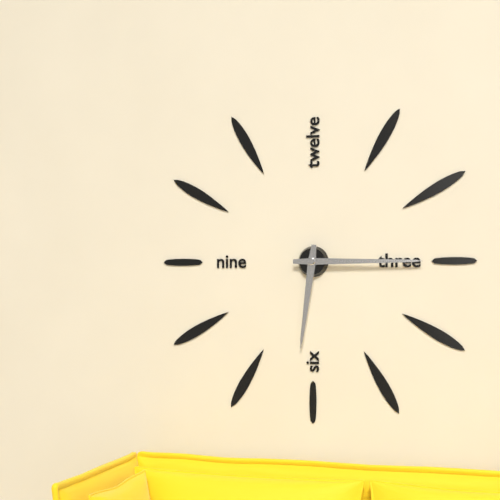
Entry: h=6 m=15
